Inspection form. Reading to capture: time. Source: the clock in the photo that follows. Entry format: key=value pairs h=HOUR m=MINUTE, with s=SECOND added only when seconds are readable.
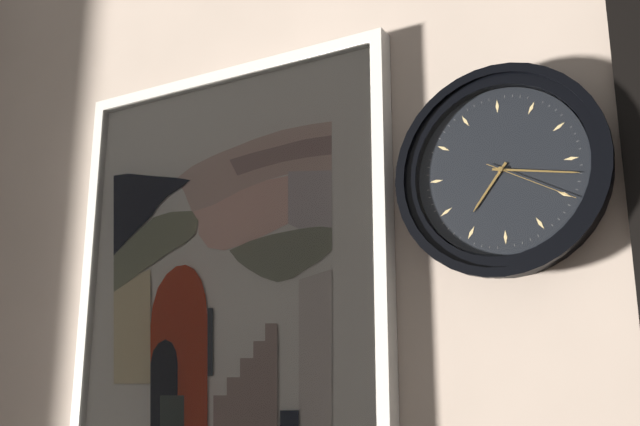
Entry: h=7 m=17 s=20
